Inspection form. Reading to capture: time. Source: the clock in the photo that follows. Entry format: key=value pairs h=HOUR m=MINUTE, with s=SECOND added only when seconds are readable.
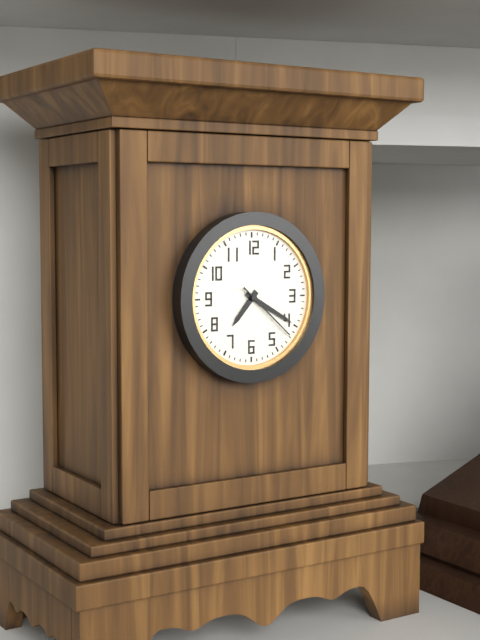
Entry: h=7 m=20 s=22
